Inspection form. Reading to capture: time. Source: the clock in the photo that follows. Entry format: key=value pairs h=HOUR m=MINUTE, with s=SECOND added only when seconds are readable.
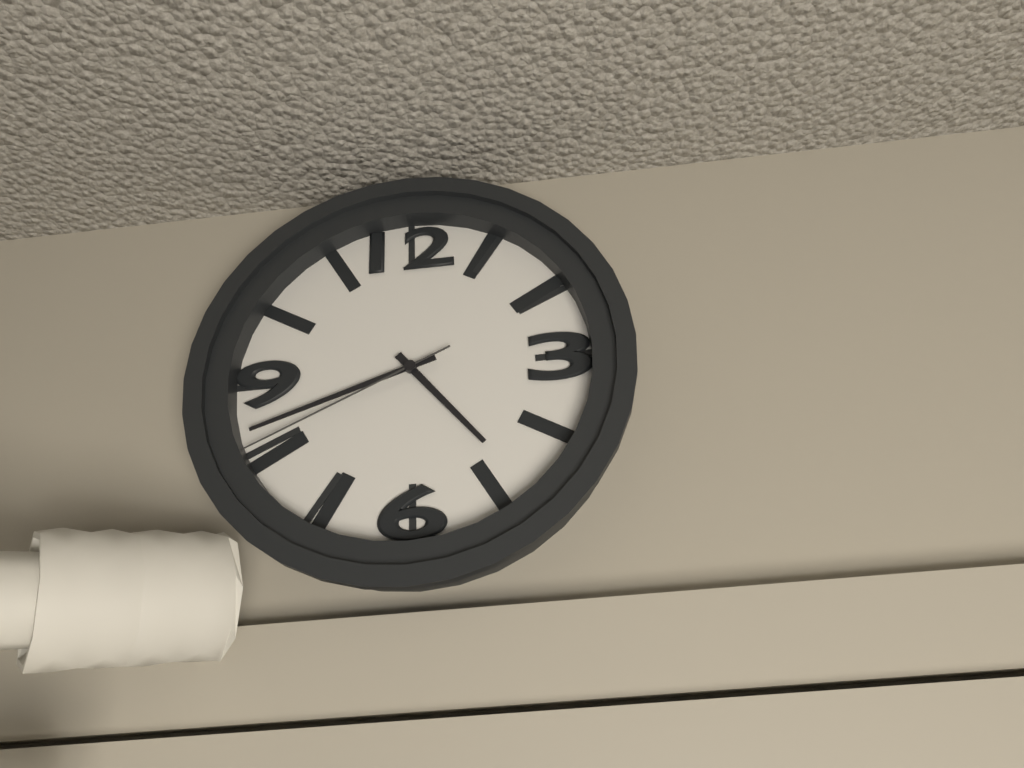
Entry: h=4 m=42 s=41
